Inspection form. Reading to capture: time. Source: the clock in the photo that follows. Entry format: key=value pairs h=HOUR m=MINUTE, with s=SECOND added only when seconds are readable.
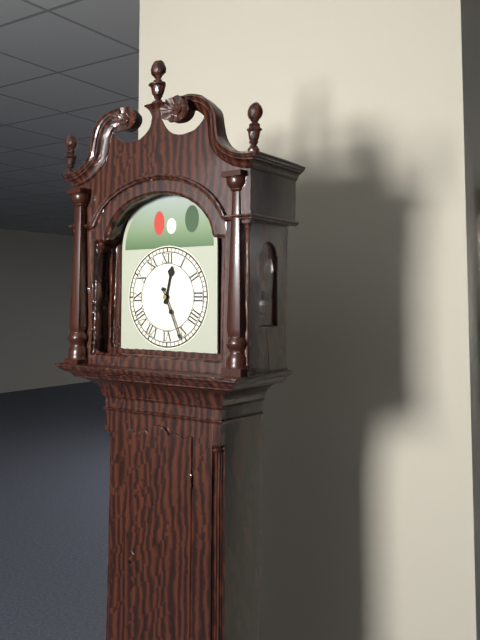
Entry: h=12 m=26
